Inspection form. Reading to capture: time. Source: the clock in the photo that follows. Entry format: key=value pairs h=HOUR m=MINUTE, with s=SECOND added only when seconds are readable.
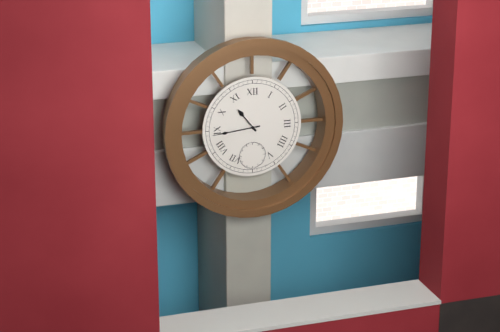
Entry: h=10 m=44
